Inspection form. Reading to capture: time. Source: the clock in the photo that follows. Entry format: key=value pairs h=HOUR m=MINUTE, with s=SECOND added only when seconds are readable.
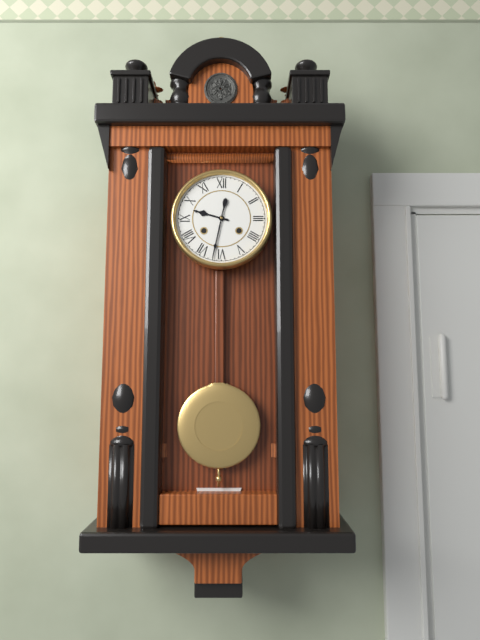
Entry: h=9 m=32
